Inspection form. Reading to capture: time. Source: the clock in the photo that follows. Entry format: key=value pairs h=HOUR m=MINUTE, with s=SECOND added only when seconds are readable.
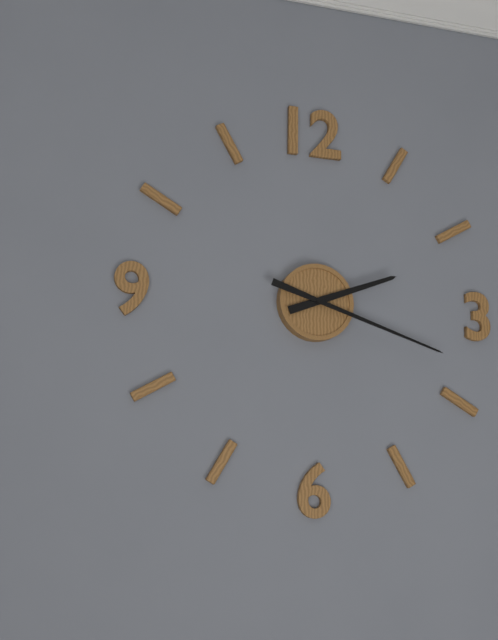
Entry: h=2 m=18
